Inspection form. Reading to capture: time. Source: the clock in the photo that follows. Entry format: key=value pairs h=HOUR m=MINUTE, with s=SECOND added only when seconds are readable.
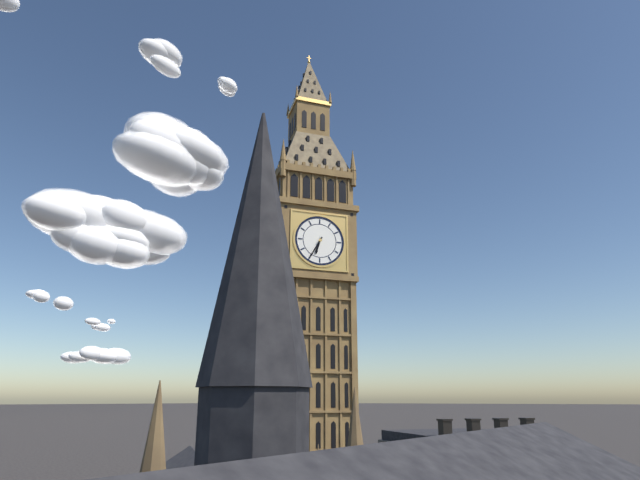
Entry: h=6 m=35
